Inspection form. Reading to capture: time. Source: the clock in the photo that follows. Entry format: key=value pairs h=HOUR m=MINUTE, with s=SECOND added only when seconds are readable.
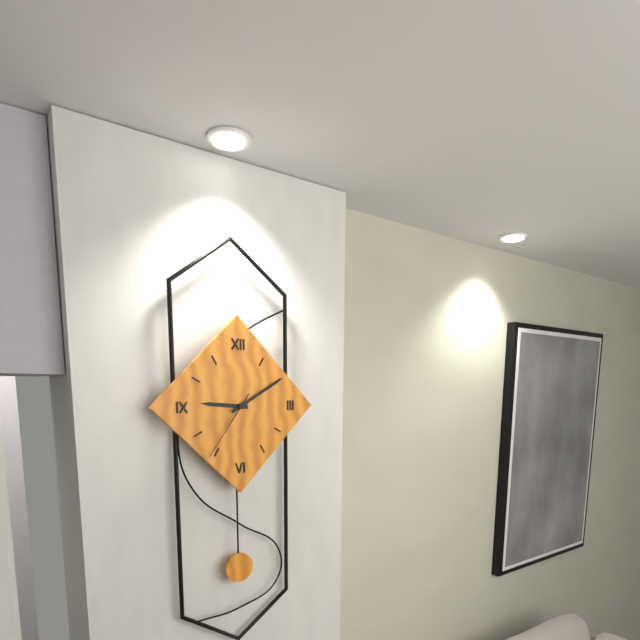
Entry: h=9 m=10 s=36
